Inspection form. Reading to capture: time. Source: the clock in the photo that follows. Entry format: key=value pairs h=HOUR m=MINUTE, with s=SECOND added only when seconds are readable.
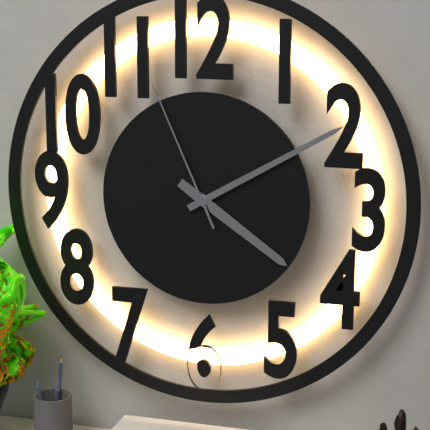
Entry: h=4 m=10 s=56
